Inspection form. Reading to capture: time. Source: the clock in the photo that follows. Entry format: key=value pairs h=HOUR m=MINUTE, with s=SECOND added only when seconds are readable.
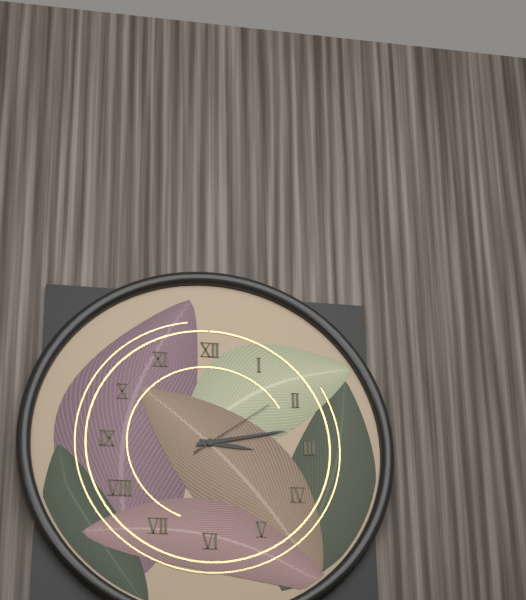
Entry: h=3 m=13 s=9
